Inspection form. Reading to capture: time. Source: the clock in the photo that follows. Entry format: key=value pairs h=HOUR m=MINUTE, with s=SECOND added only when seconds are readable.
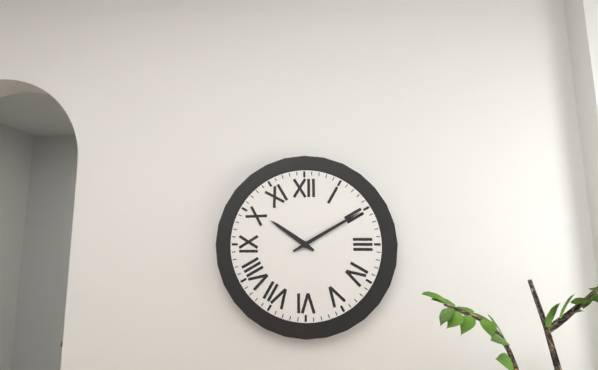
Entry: h=10 m=10
